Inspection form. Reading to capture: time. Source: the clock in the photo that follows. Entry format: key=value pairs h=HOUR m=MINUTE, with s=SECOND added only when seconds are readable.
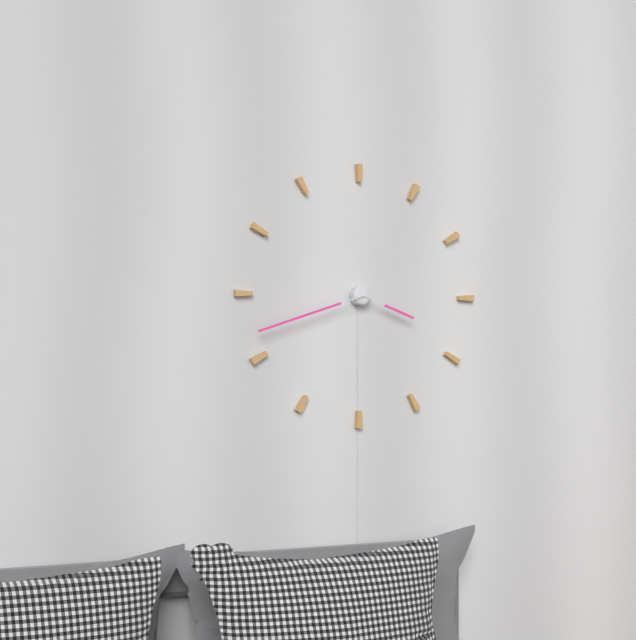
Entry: h=3 m=42
